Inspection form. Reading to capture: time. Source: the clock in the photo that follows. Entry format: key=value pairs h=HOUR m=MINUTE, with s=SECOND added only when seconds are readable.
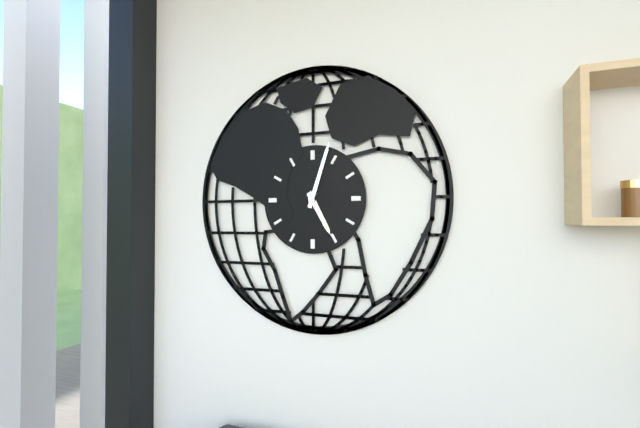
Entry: h=5 m=3
